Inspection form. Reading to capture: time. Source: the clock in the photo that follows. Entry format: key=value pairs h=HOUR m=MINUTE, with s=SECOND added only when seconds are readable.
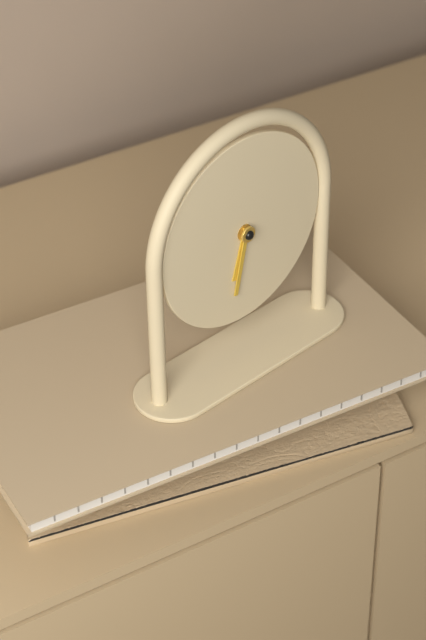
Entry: h=6 m=32
